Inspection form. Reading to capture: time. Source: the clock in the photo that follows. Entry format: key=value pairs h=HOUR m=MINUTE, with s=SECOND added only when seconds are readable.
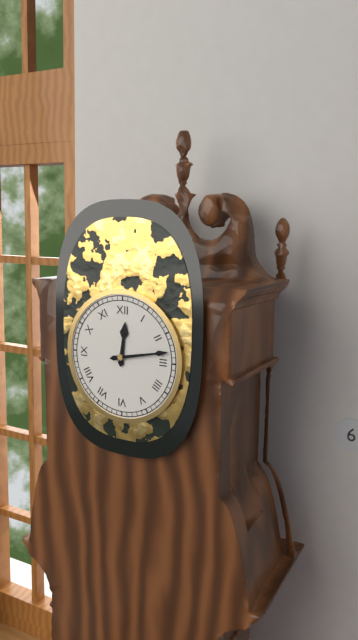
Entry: h=12 m=13
